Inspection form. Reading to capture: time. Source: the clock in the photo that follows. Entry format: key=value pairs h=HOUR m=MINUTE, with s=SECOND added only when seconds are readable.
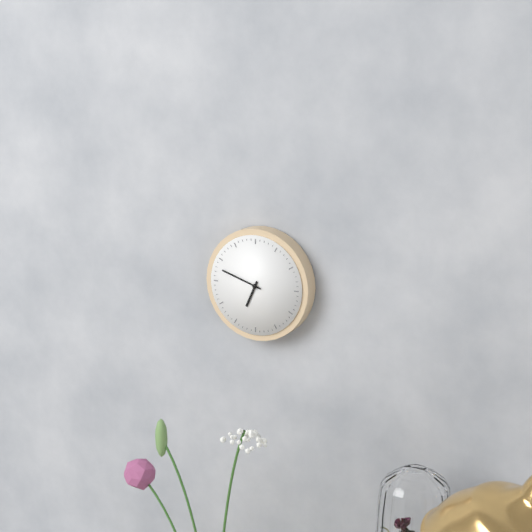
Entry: h=6 m=48
